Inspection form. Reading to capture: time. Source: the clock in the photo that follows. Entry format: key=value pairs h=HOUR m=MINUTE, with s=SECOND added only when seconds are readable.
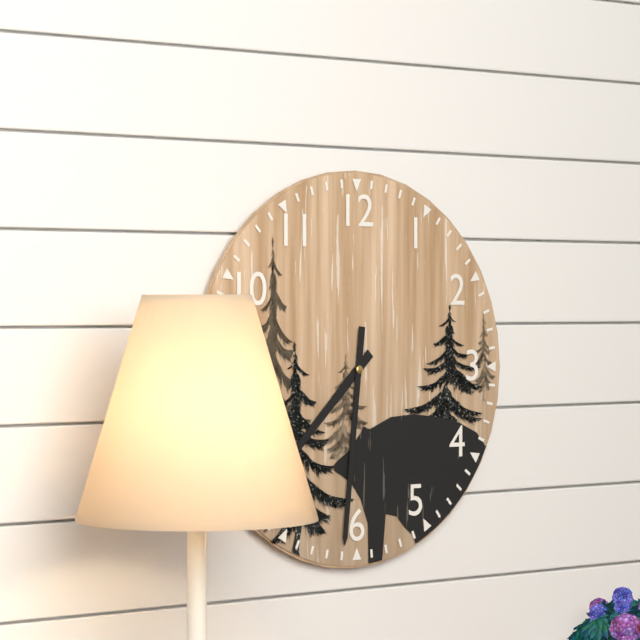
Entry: h=7 m=31
